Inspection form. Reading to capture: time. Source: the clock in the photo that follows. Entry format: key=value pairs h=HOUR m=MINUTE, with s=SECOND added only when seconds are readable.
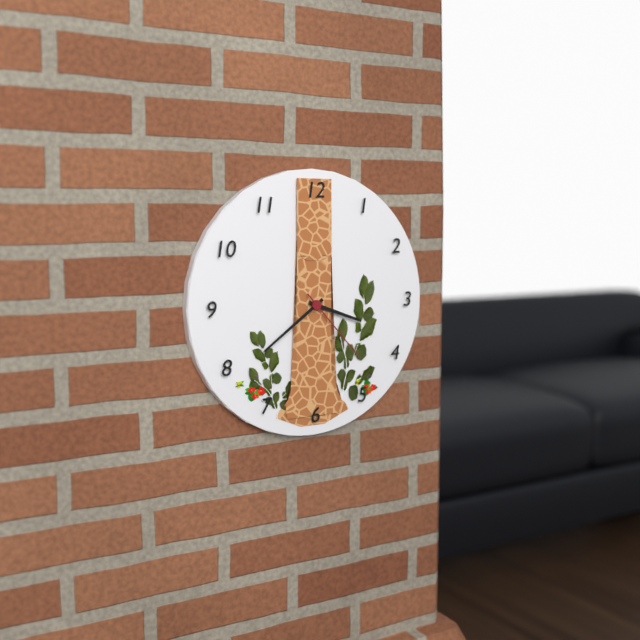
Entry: h=3 m=39 s=23
